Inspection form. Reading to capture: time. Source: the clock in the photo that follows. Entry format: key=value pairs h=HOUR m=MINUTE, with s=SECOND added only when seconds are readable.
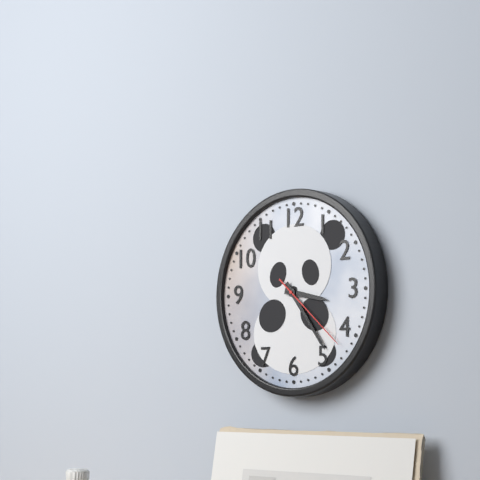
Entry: h=3 m=24 s=22
